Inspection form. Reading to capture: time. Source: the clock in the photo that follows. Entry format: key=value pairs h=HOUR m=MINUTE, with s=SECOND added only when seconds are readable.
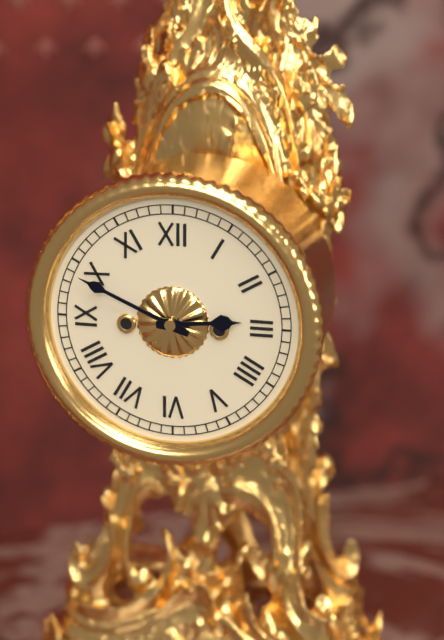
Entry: h=2 m=49
